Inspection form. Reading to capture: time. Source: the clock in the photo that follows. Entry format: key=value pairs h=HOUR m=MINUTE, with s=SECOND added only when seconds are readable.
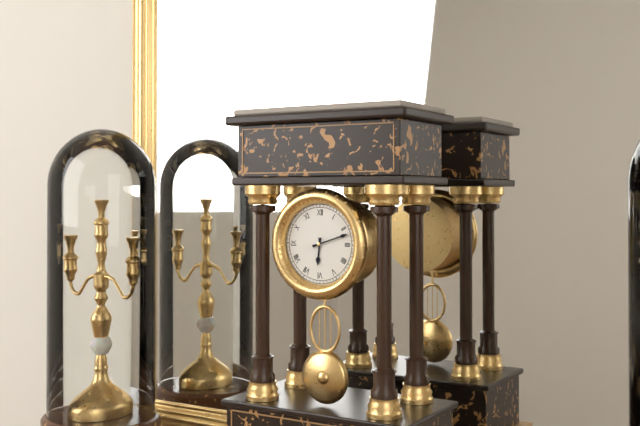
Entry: h=6 m=12
